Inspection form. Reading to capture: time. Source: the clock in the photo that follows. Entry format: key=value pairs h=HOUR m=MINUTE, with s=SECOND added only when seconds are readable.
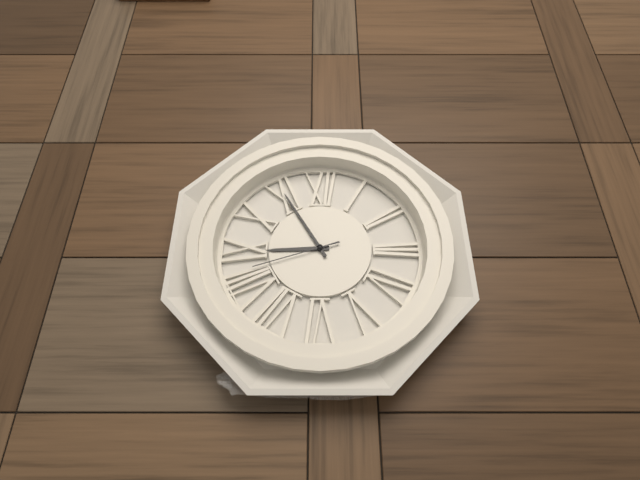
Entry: h=8 m=55 s=42
